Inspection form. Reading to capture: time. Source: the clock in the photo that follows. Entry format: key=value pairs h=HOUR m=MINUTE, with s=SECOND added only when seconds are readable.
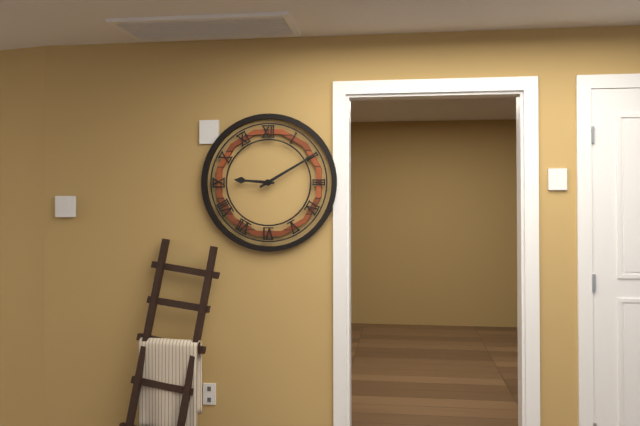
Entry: h=9 m=10
